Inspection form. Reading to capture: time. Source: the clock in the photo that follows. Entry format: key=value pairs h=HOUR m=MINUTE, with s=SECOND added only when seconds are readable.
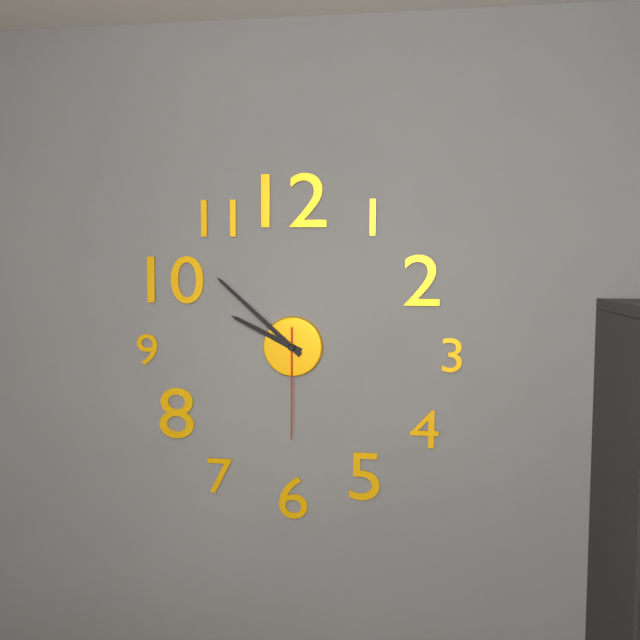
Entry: h=9 m=52 s=30
